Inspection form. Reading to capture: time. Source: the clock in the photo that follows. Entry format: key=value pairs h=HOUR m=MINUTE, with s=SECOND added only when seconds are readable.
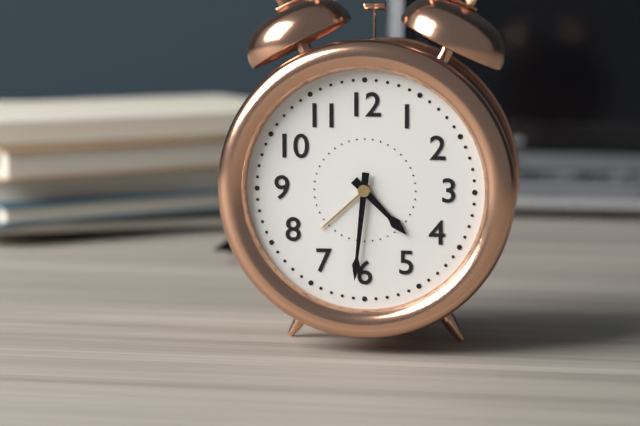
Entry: h=4 m=31
